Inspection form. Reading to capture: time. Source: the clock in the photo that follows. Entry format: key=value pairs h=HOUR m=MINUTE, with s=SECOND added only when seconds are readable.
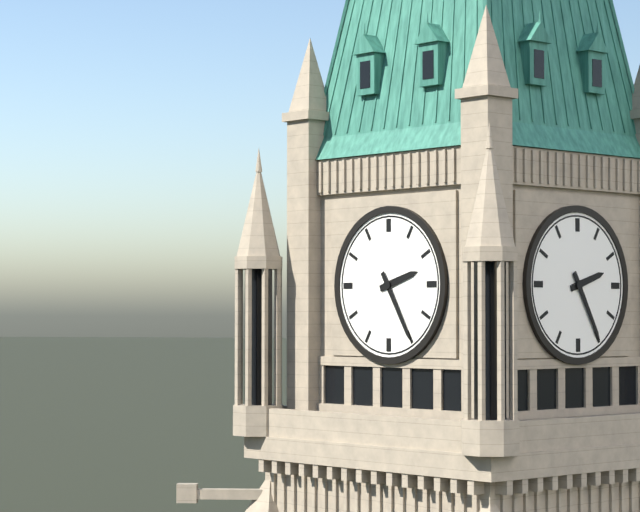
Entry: h=2 m=25
